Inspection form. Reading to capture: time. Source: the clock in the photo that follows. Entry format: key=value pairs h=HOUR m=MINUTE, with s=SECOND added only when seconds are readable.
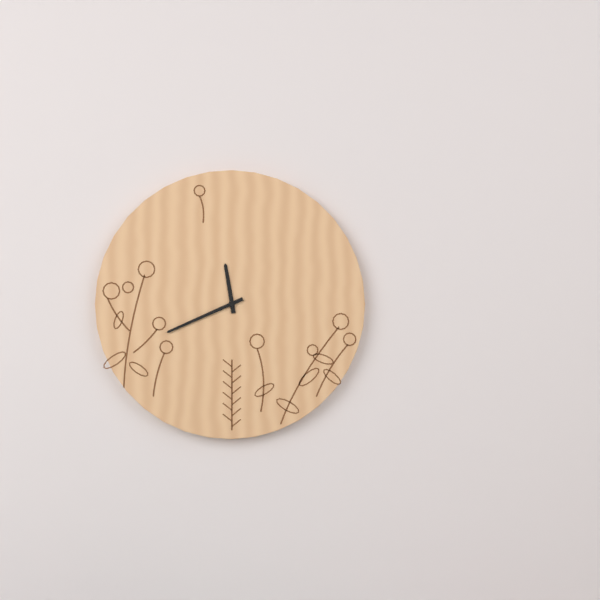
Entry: h=11 m=41
